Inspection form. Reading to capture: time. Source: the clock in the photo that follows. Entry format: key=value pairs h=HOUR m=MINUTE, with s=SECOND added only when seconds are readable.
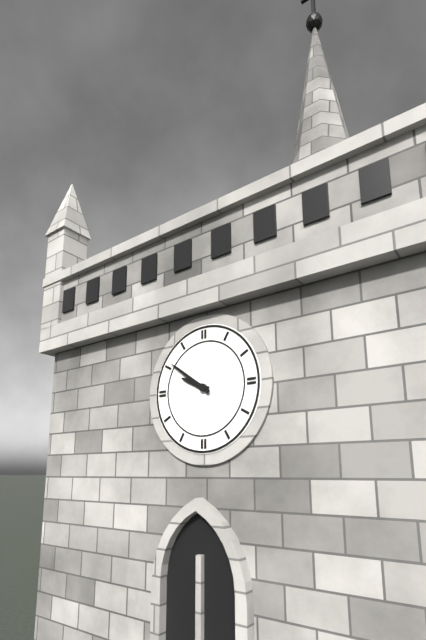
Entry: h=9 m=51
